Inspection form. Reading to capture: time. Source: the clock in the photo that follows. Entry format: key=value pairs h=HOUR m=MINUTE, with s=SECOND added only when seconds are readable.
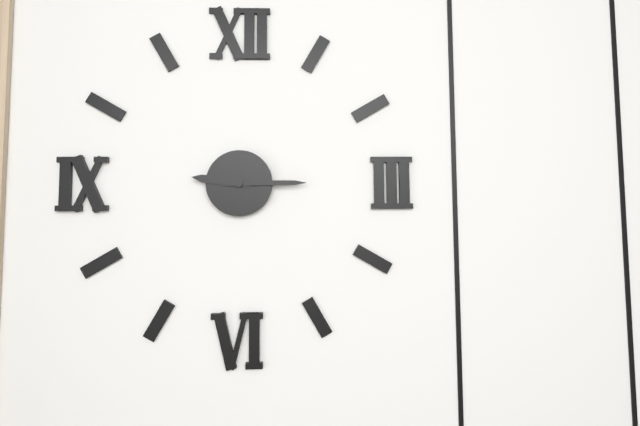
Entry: h=9 m=15
